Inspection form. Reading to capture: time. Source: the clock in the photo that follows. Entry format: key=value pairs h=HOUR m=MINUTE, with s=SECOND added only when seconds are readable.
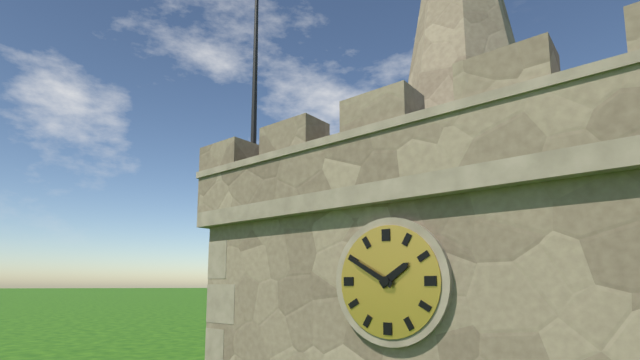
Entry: h=1 m=50
